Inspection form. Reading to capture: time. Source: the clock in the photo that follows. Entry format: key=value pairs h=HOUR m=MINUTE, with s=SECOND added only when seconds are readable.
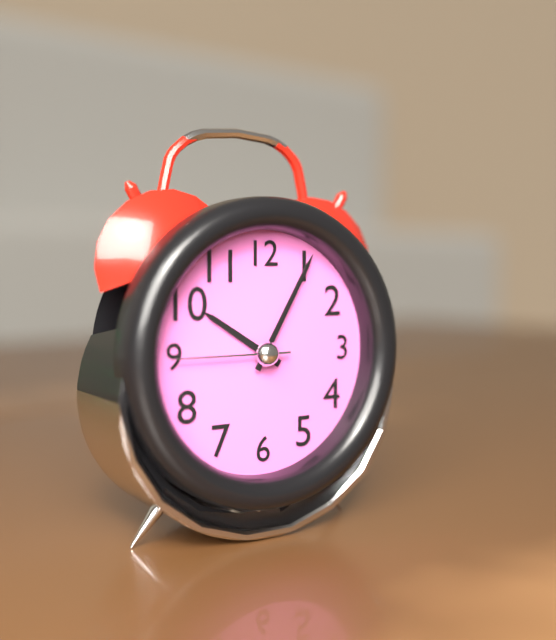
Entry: h=10 m=5 s=45
